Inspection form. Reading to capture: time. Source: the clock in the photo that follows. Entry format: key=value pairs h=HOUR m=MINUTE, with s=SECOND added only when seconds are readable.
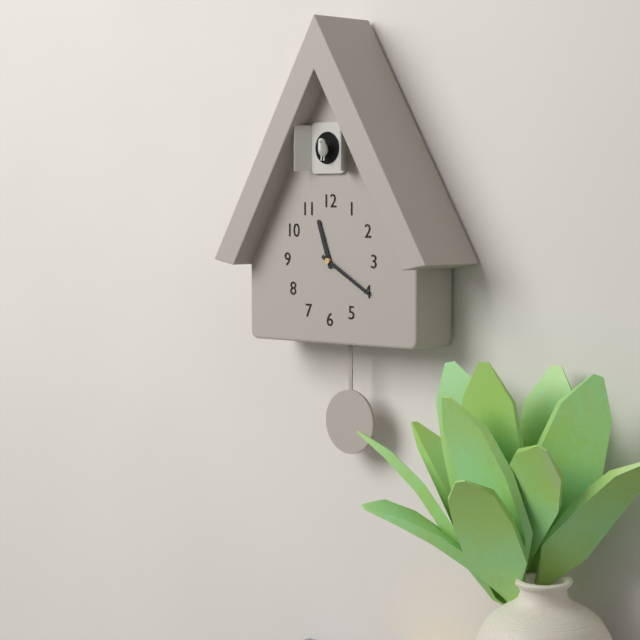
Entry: h=11 m=20
